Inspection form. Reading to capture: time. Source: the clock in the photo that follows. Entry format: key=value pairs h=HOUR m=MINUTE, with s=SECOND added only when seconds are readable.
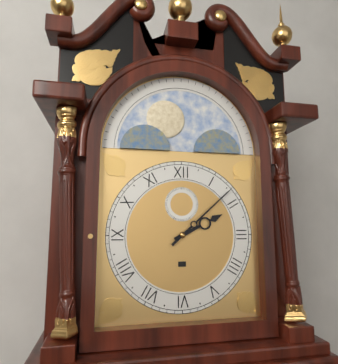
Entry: h=2 m=8
